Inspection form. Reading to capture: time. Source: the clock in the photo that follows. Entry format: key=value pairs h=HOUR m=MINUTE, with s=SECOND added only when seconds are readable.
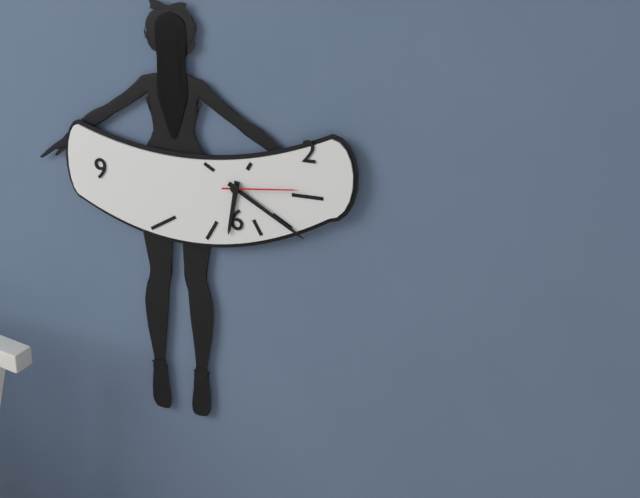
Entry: h=6 m=20 s=14
